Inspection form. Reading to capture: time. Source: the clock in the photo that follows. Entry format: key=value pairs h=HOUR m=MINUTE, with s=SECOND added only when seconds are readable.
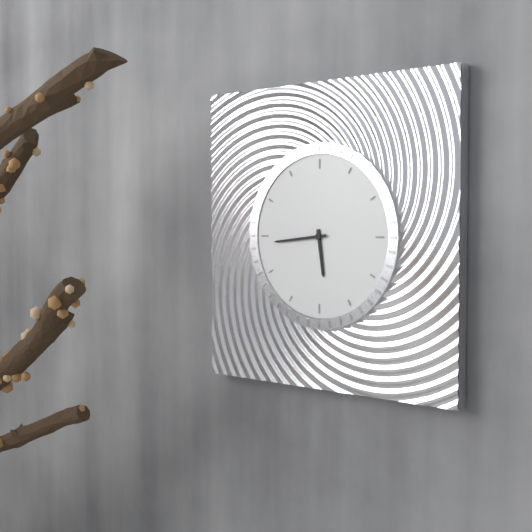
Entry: h=5 m=44
